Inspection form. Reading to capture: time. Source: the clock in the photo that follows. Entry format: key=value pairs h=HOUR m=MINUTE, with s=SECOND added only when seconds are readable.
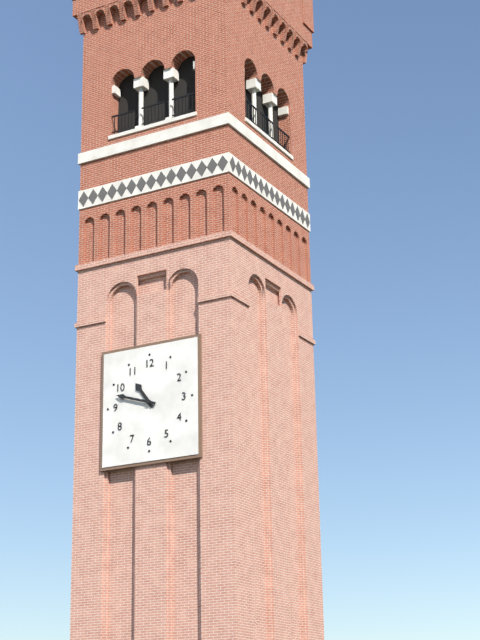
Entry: h=10 m=48
